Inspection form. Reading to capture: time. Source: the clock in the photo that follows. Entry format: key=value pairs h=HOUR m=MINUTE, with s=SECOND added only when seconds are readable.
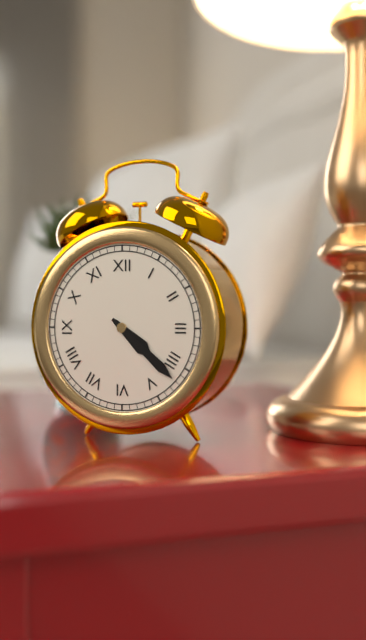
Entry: h=4 m=22
